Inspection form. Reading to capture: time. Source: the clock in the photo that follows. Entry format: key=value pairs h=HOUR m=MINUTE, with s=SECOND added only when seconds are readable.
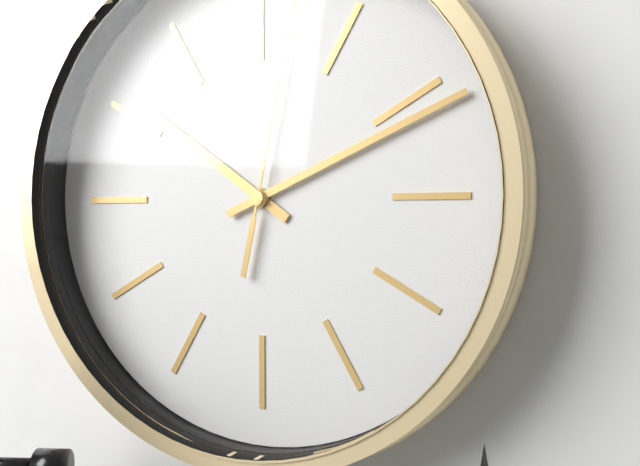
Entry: h=10 m=11
